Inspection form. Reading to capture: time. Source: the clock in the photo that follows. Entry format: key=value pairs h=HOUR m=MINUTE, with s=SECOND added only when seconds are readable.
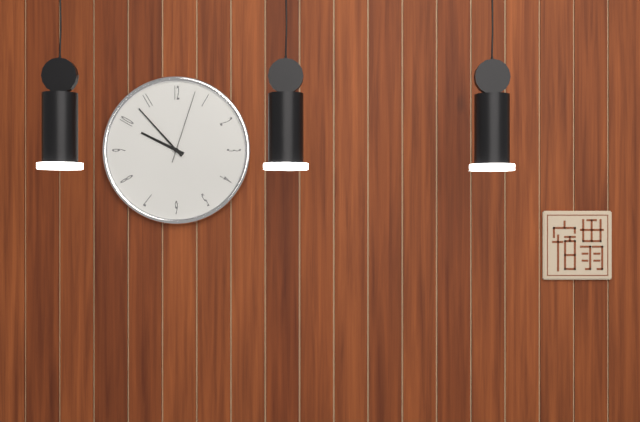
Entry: h=9 m=53 s=3
